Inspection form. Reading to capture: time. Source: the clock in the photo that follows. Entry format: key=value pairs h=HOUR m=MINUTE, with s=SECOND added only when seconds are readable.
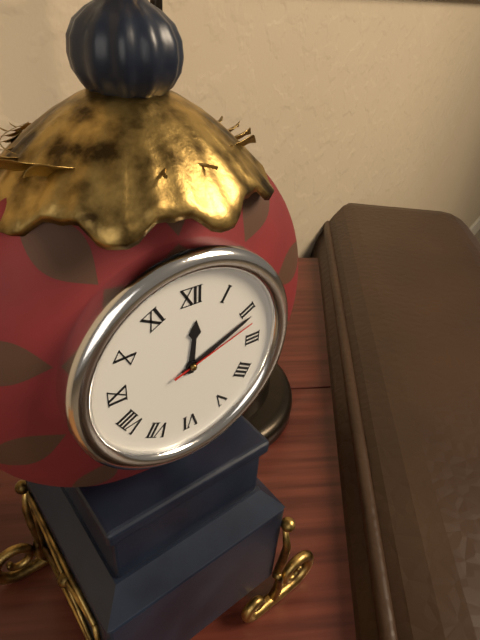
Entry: h=12 m=11 s=12
